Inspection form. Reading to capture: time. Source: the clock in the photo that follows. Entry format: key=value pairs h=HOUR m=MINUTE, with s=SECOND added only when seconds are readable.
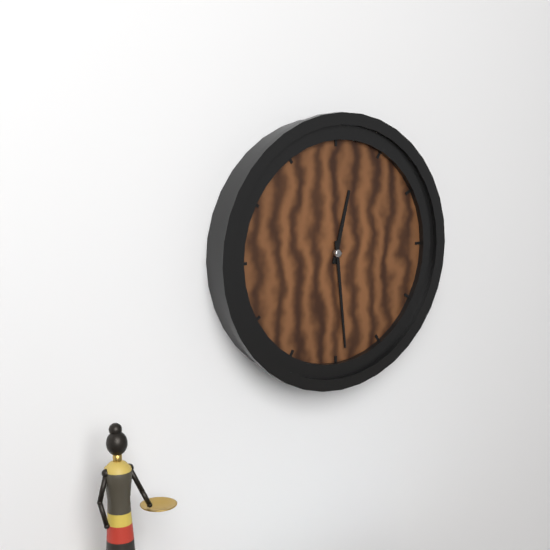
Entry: h=12 m=29
